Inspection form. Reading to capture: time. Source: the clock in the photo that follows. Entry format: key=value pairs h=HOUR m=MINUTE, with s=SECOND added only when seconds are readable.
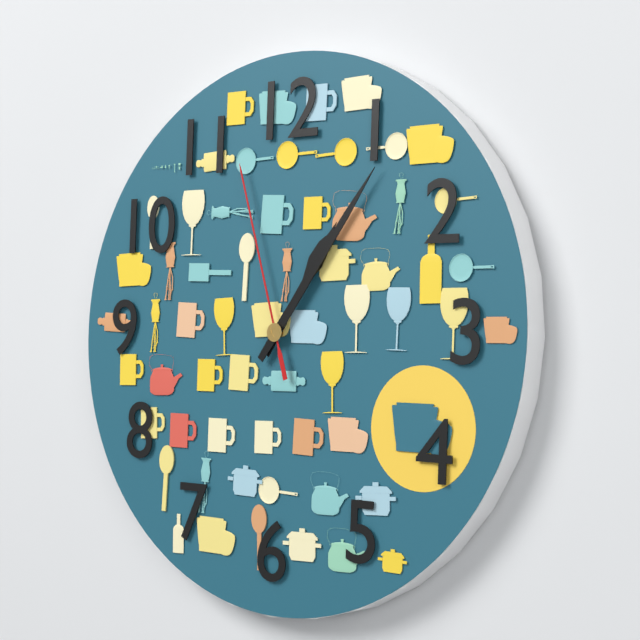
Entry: h=1 m=6 s=57
